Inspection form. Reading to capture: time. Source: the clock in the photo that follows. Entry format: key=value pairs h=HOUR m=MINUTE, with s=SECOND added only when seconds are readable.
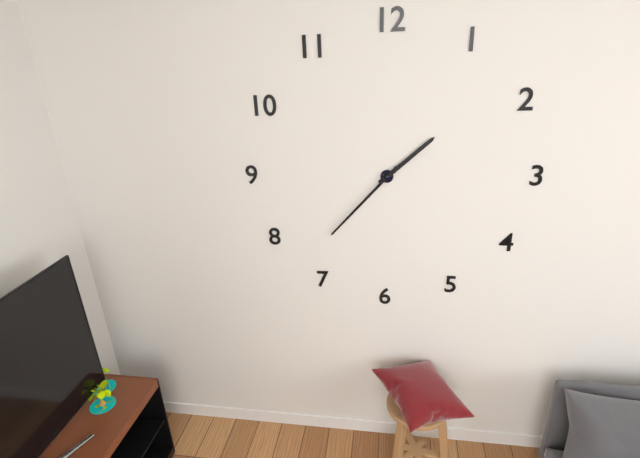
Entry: h=1 m=37
